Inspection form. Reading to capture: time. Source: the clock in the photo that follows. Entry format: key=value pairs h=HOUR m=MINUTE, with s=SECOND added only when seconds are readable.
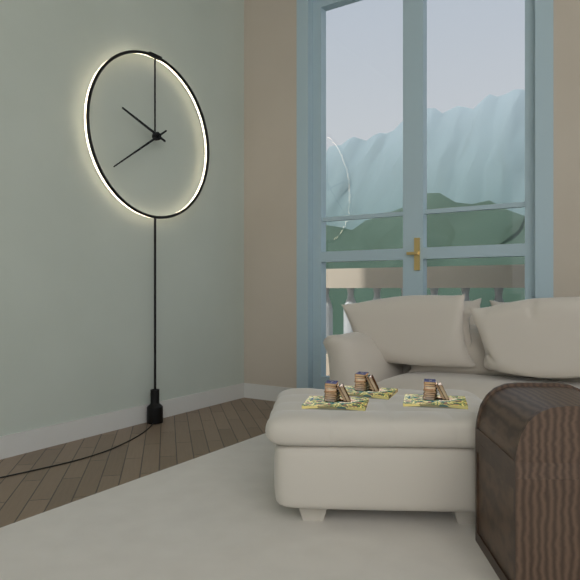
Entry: h=9 m=39
